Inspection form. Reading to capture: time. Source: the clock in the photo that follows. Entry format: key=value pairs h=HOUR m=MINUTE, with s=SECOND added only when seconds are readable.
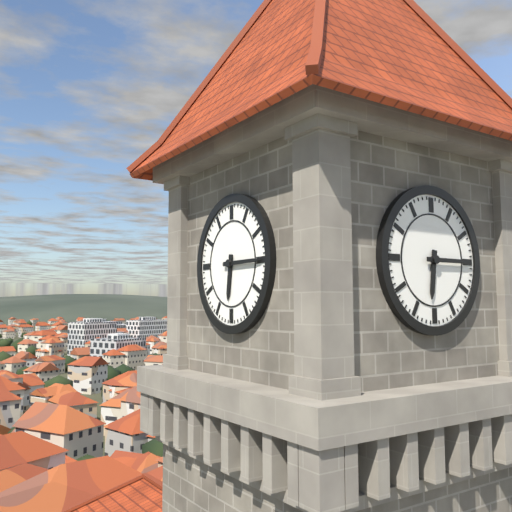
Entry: h=6 m=15
